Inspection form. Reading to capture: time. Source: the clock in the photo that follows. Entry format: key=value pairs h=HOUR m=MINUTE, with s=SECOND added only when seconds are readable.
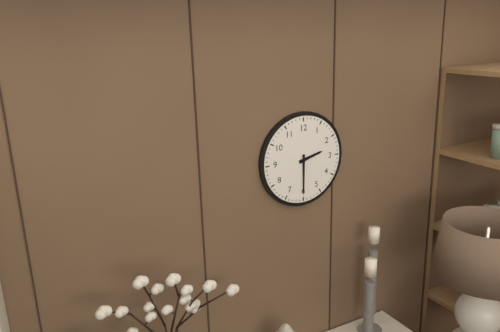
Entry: h=2 m=30
